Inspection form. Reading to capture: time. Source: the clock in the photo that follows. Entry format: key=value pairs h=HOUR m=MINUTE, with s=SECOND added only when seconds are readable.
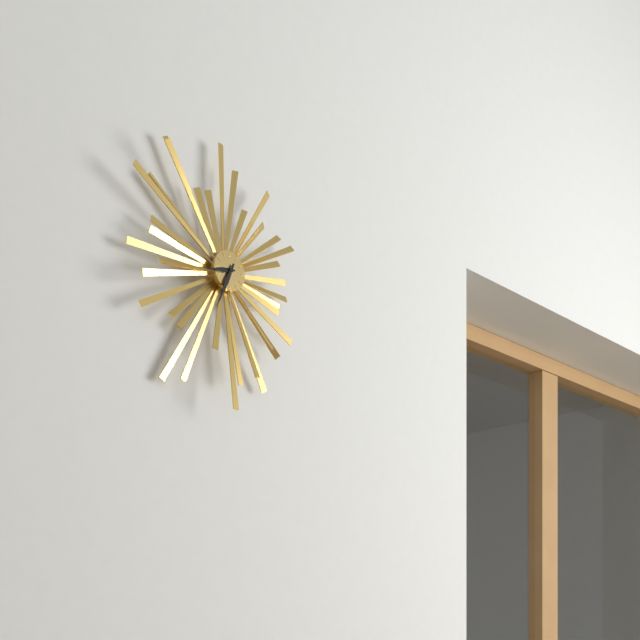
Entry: h=8 m=34
